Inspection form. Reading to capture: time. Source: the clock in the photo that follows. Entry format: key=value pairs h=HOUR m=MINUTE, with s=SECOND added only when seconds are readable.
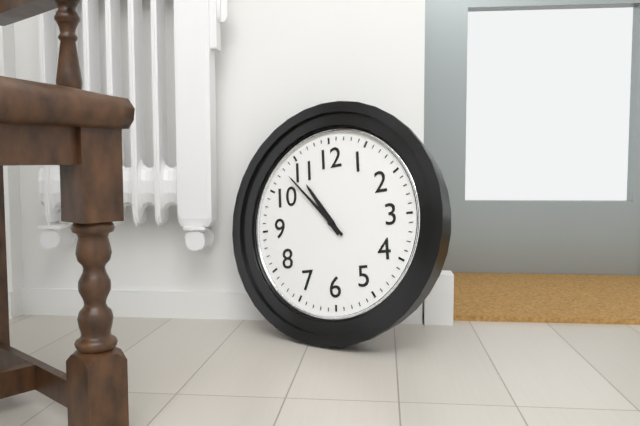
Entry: h=10 m=53
